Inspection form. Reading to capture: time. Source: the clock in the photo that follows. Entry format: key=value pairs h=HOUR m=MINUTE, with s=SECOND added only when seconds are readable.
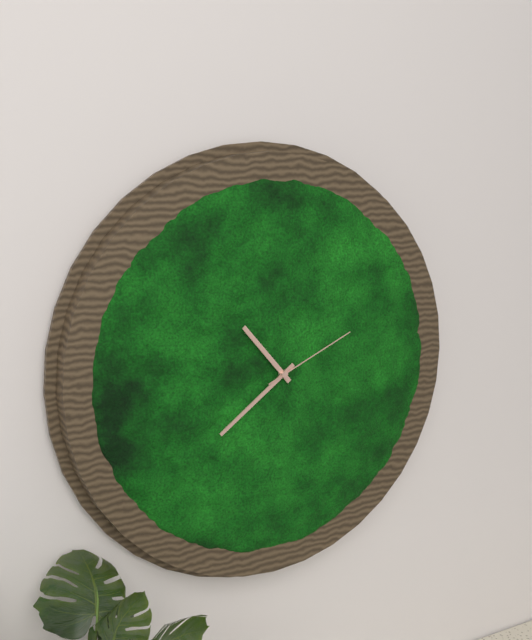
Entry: h=10 m=39 s=11
